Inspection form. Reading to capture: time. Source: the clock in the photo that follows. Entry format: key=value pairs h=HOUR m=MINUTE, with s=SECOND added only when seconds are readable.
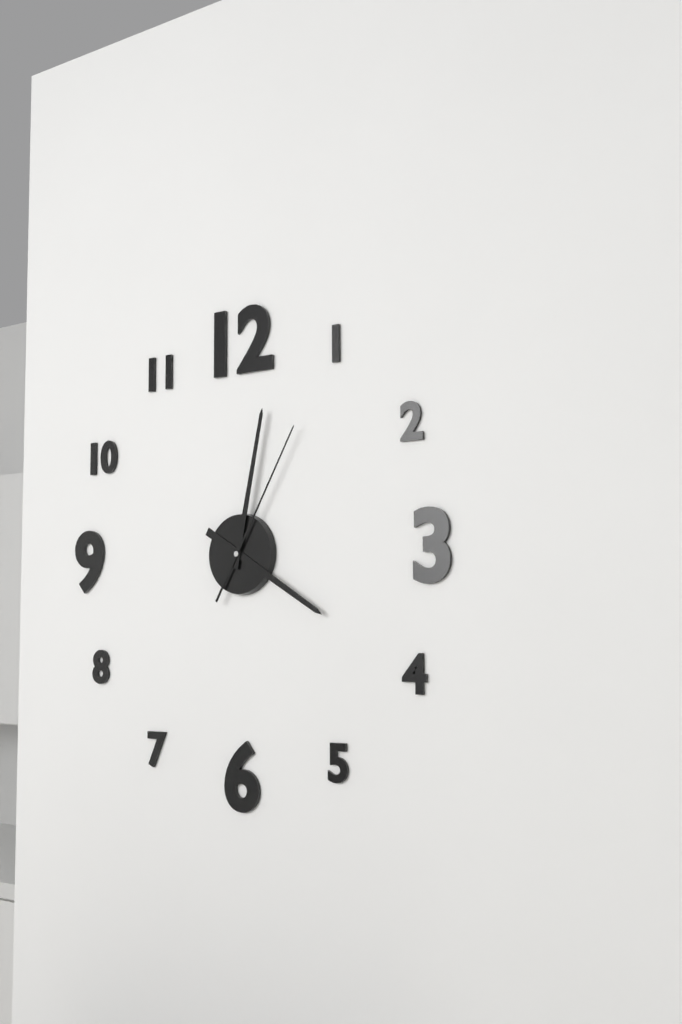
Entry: h=4 m=2 s=5
